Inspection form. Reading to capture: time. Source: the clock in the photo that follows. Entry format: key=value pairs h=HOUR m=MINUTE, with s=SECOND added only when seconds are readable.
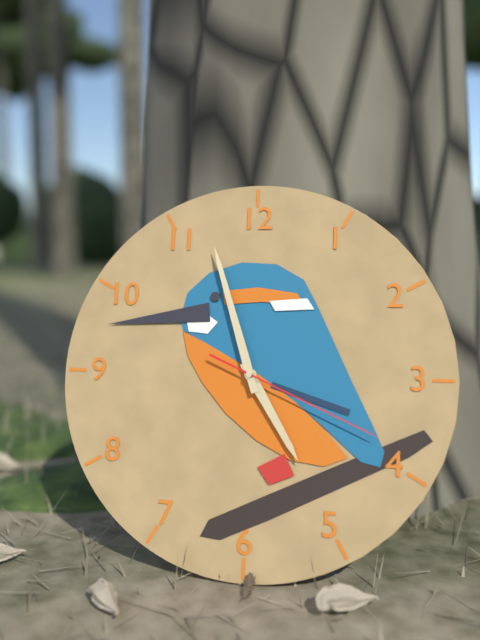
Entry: h=4 m=57 s=19
